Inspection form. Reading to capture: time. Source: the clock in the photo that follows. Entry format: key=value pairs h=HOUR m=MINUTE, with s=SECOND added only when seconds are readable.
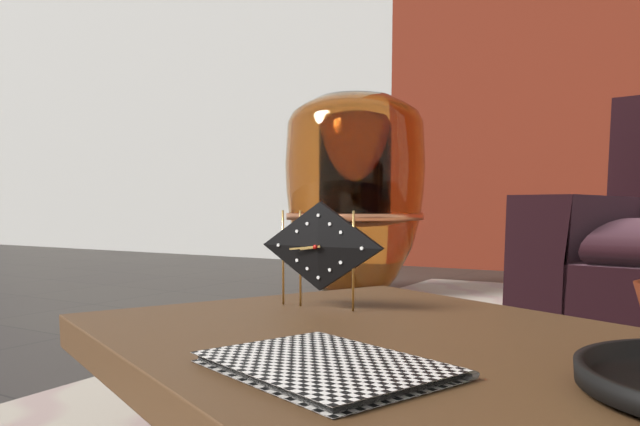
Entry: h=8 m=44
